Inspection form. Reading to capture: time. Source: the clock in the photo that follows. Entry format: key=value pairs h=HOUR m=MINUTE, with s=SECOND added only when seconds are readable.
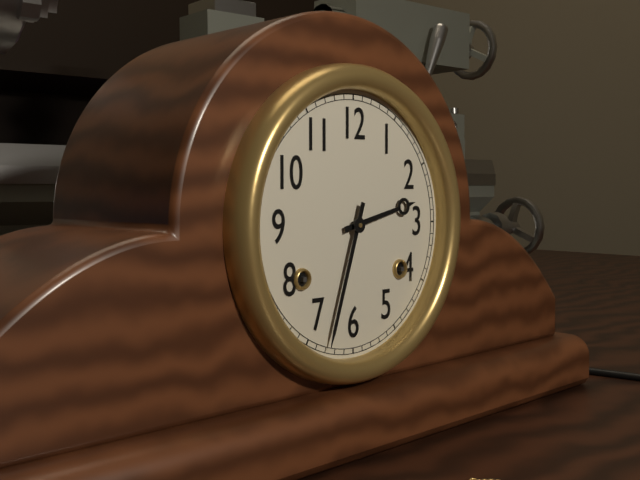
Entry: h=2 m=33
